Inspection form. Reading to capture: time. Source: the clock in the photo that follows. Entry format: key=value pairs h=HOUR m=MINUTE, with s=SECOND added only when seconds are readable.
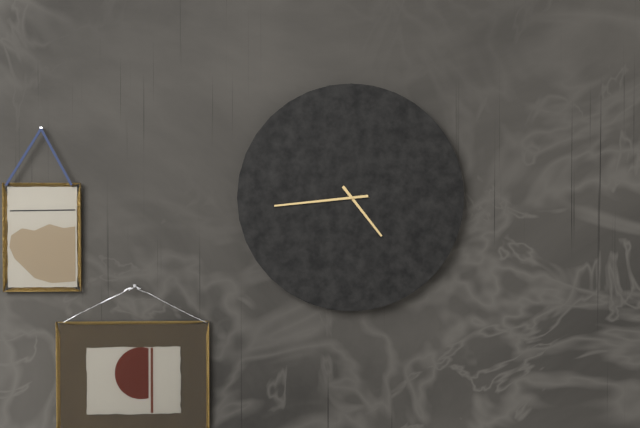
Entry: h=4 m=44
